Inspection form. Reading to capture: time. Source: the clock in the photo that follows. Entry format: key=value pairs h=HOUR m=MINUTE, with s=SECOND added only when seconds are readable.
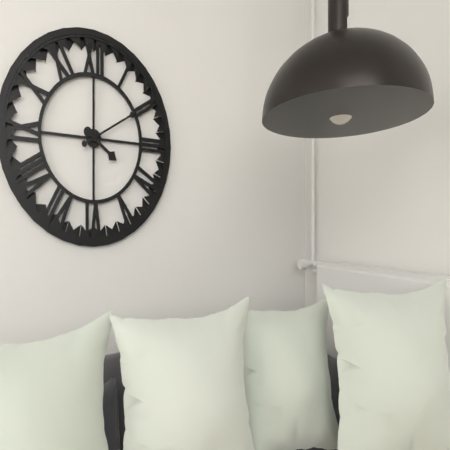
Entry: h=4 m=10
